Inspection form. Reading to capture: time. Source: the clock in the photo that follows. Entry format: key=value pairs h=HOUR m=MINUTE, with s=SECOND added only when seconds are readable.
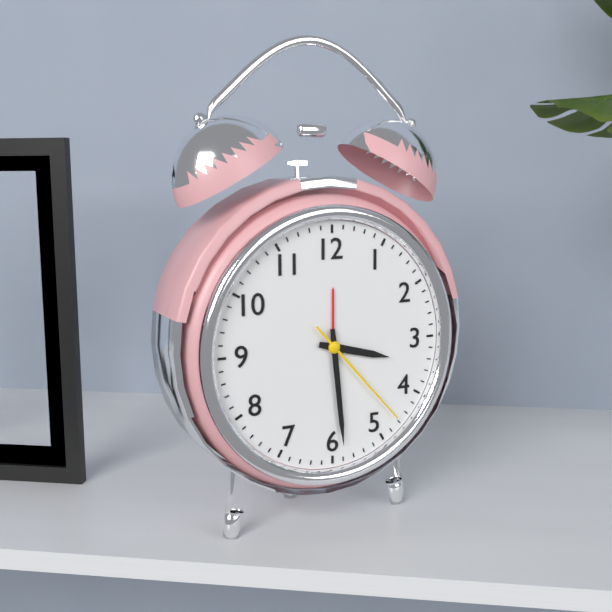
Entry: h=3 m=29 s=23
